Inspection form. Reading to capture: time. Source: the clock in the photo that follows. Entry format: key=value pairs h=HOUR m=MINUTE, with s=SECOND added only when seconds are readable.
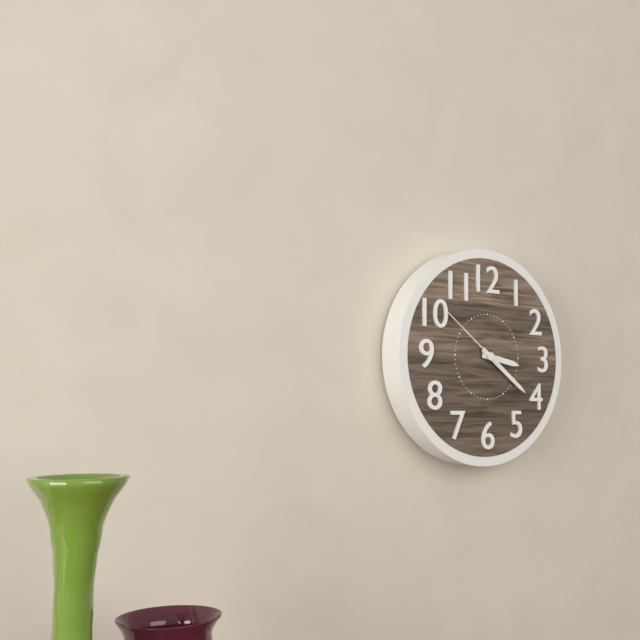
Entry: h=3 m=21 s=51
